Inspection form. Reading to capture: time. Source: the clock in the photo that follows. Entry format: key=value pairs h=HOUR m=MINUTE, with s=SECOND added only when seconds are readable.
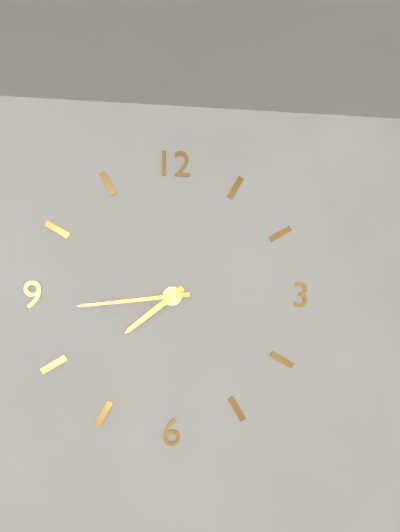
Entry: h=7 m=44
